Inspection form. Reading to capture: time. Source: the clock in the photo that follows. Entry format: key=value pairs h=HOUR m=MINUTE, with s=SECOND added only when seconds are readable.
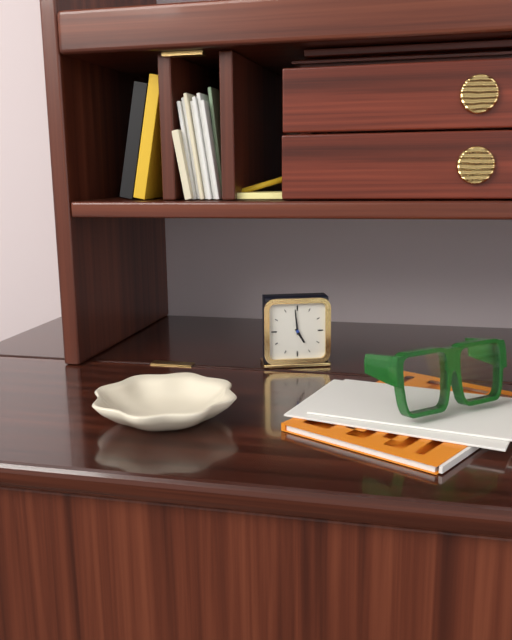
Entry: h=4 m=59
